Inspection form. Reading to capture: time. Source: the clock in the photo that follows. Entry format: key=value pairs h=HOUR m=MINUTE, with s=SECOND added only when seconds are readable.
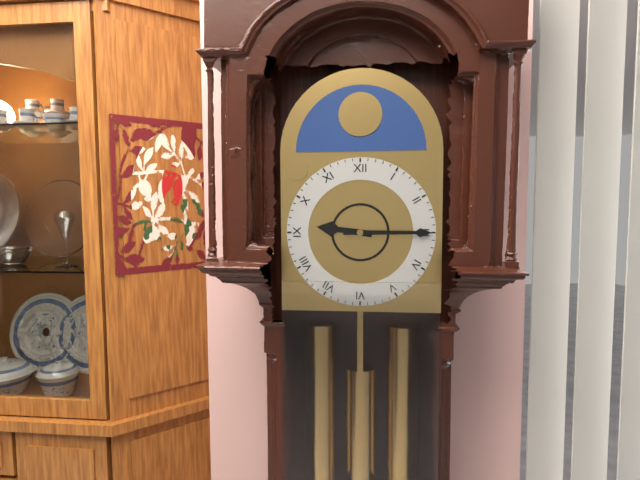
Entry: h=9 m=15
